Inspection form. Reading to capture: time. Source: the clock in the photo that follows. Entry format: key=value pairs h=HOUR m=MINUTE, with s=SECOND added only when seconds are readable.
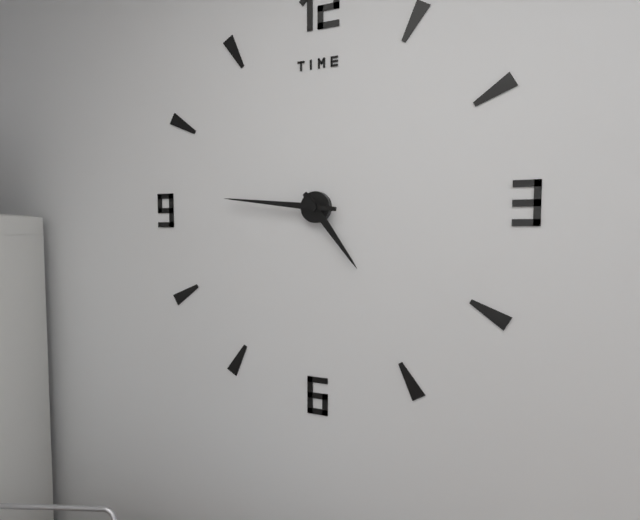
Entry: h=4 m=46
